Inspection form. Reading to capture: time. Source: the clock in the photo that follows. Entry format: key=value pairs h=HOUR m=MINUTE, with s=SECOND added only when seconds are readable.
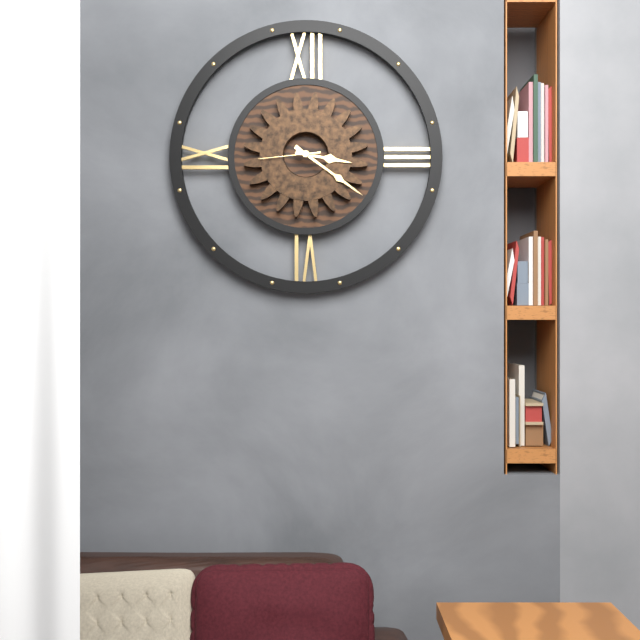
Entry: h=3 m=21 s=44
